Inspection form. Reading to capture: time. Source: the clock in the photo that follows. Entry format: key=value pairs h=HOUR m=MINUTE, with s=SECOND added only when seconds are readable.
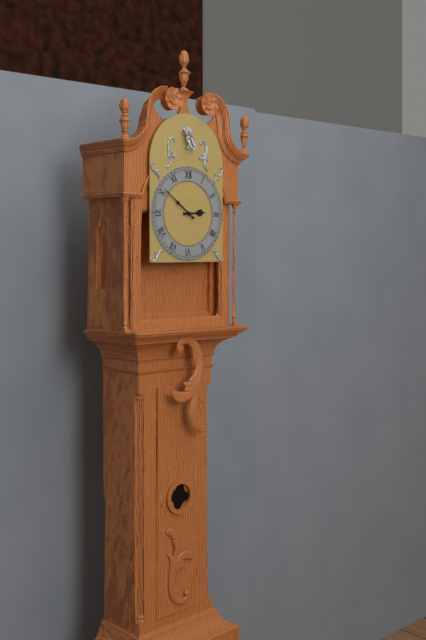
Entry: h=2 m=51
